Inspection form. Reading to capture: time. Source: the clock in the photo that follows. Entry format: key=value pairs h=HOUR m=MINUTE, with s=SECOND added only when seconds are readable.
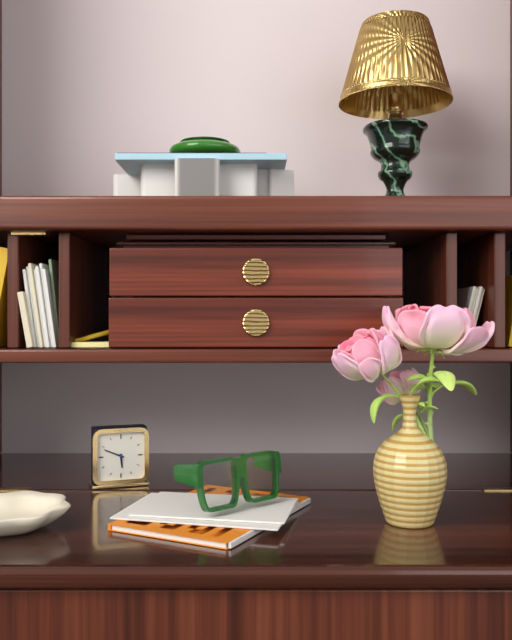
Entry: h=5 m=49
